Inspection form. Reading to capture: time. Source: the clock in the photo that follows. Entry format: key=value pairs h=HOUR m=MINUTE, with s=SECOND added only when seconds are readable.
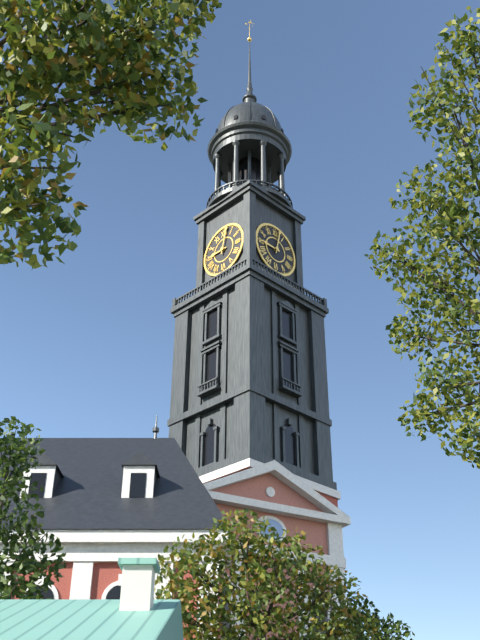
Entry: h=9 m=2
